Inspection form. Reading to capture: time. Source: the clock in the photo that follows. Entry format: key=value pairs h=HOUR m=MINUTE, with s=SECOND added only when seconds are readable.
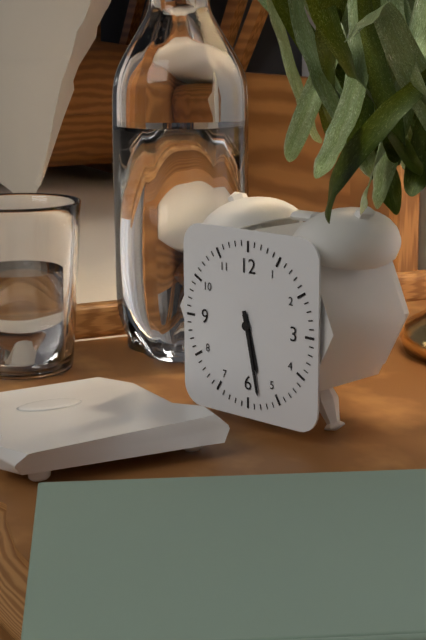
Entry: h=5 m=28
